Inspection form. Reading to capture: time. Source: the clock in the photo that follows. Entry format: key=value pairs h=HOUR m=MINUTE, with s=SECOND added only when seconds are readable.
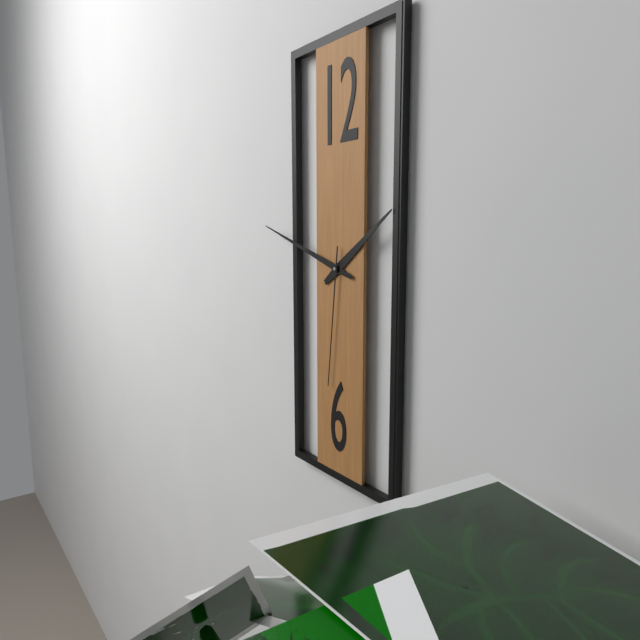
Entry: h=1 m=48 s=31
